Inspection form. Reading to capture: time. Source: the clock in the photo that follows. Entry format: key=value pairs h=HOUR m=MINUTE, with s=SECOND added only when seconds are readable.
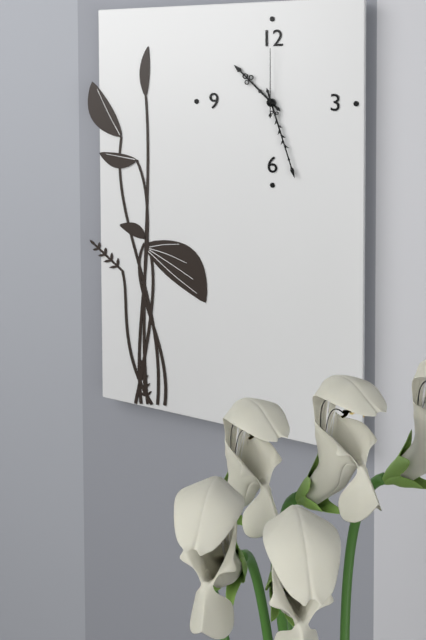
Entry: h=10 m=27 s=0
